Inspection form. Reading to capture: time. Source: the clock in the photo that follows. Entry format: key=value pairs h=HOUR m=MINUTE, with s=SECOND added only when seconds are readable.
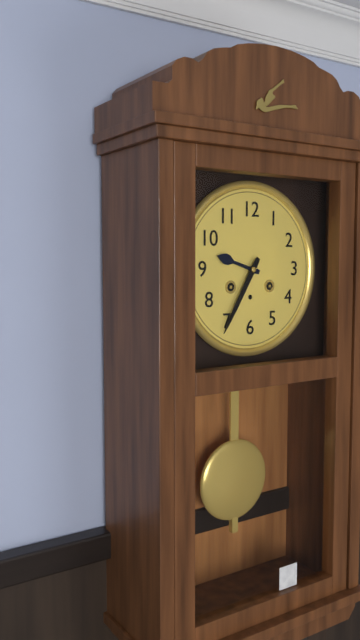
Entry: h=9 m=35
